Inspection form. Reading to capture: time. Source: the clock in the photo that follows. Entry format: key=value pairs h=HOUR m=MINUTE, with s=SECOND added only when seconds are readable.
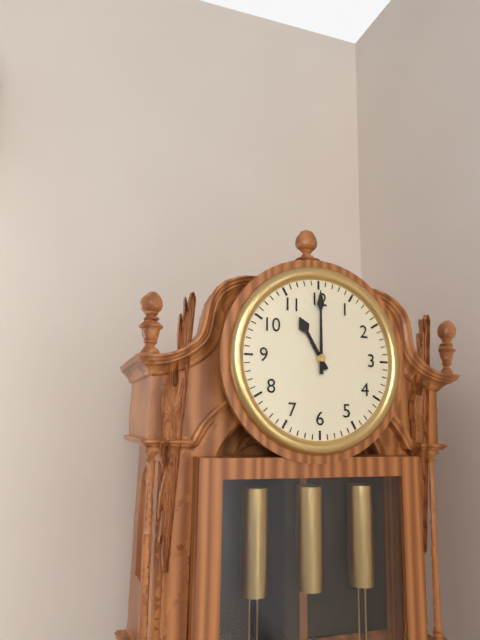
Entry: h=11 m=0
